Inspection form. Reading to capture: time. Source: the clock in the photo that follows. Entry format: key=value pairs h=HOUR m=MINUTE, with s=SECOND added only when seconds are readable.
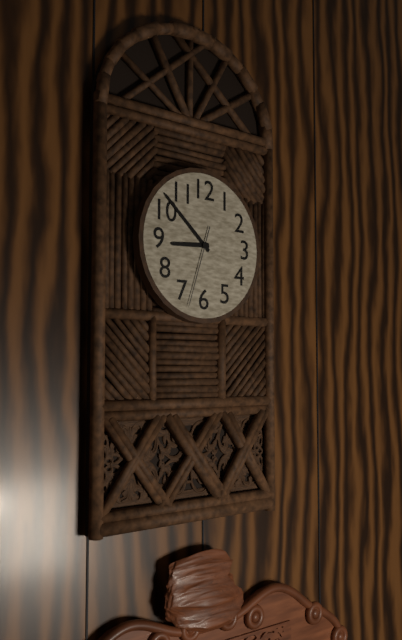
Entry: h=8 m=52 s=33
